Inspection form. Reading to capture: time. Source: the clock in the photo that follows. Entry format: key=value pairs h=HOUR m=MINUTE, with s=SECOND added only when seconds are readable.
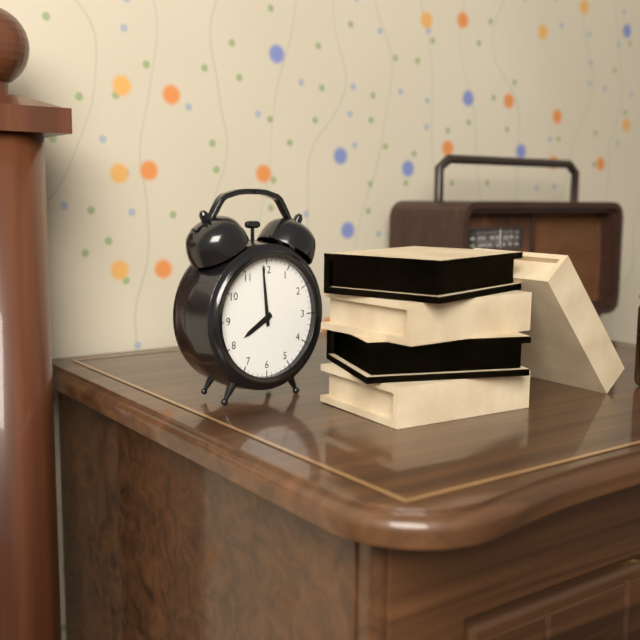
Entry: h=7 m=59
